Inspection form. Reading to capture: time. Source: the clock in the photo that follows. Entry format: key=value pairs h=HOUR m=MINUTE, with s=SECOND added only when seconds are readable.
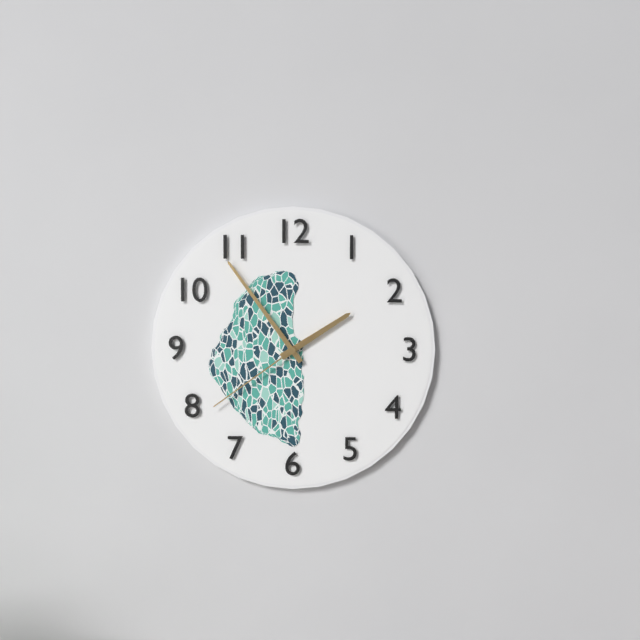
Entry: h=1 m=54 s=39
